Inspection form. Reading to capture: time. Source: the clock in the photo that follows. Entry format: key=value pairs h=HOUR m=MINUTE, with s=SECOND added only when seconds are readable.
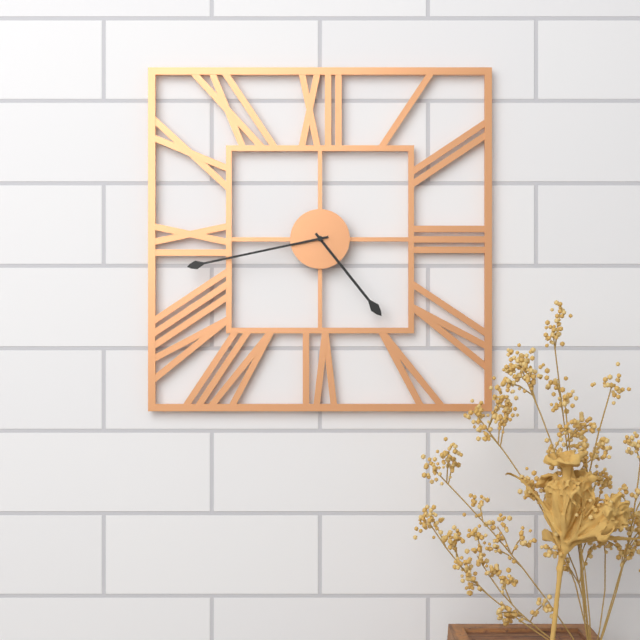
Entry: h=4 m=43
